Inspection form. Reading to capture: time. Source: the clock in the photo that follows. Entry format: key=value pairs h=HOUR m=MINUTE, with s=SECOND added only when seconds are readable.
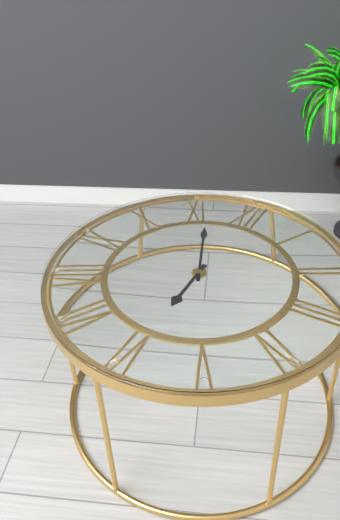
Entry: h=5 m=56
